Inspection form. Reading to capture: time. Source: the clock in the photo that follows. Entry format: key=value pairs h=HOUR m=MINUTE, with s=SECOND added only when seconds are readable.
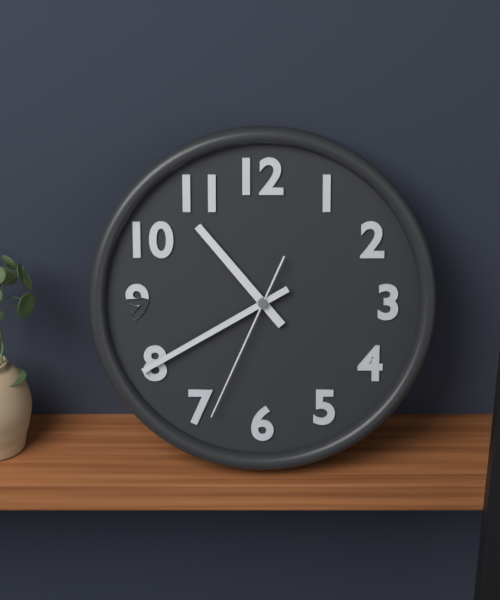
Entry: h=10 m=40 s=34
